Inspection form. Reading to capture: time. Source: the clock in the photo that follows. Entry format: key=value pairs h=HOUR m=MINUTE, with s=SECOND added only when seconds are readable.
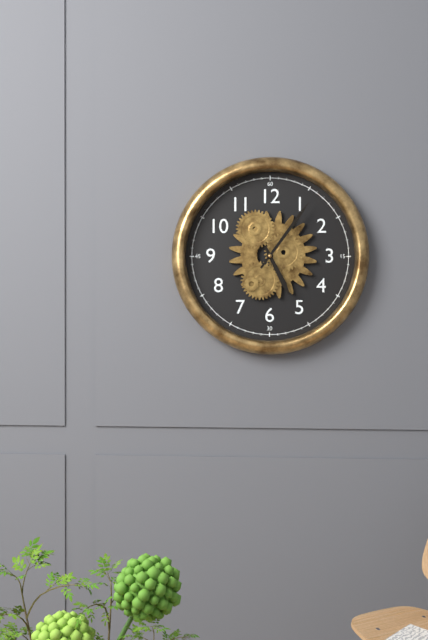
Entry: h=5 m=6
